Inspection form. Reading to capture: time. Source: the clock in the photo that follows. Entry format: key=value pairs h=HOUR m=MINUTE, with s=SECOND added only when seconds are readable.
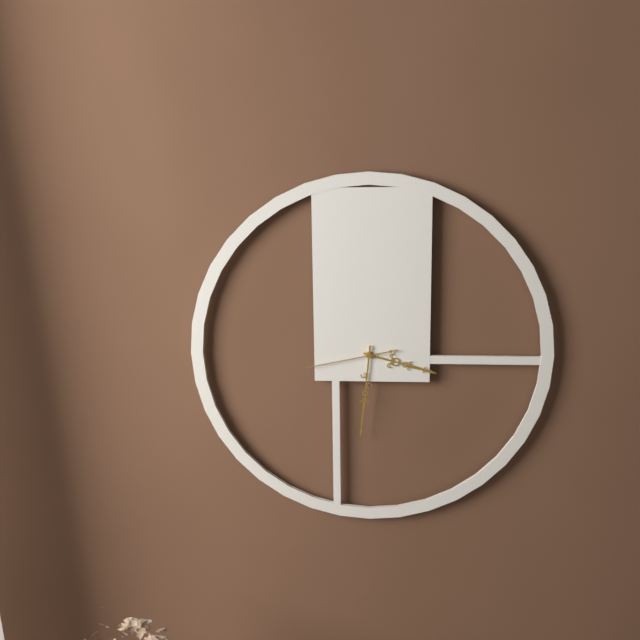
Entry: h=3 m=31 s=43
